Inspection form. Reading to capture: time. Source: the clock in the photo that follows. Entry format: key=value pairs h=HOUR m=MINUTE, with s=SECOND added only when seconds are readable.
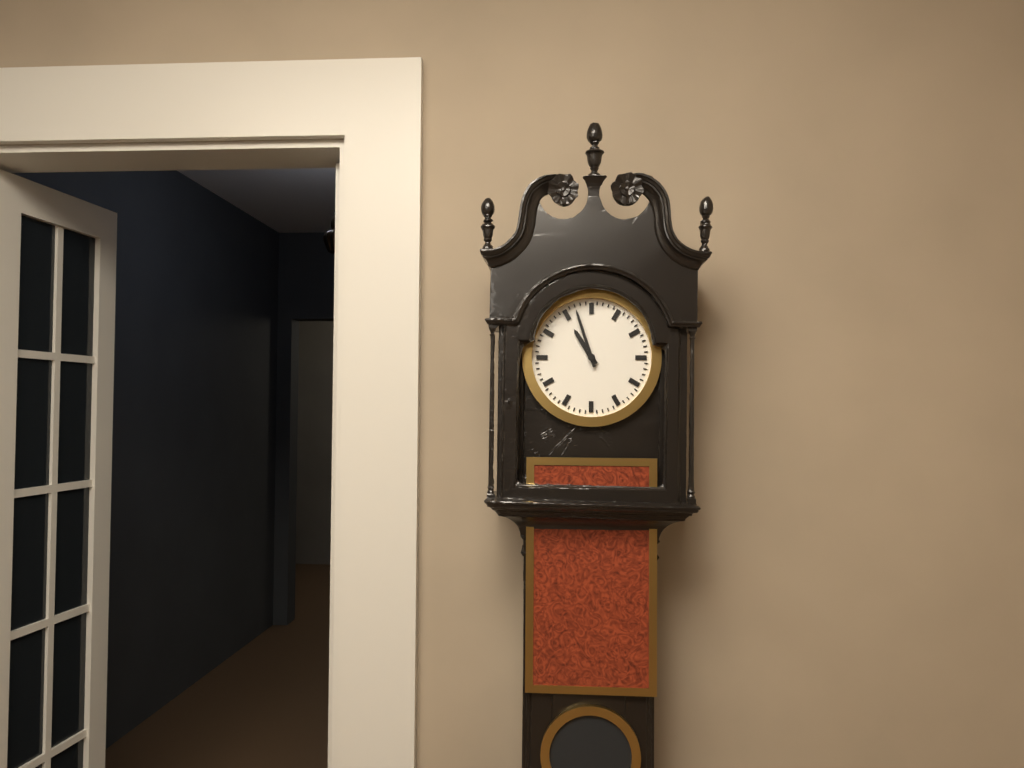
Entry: h=10 m=57
